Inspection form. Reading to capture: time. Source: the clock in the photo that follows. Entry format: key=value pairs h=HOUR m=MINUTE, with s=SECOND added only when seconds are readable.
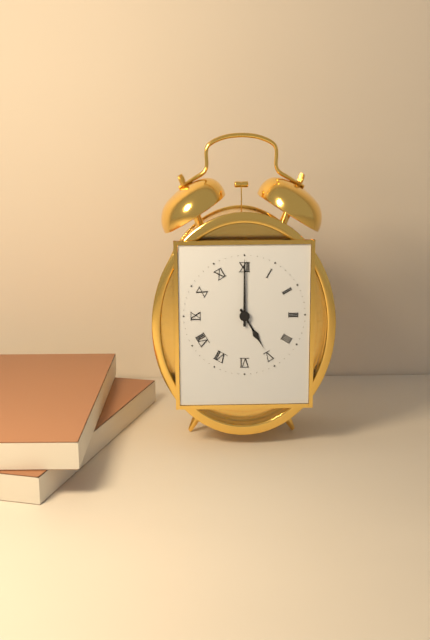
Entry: h=5 m=0
